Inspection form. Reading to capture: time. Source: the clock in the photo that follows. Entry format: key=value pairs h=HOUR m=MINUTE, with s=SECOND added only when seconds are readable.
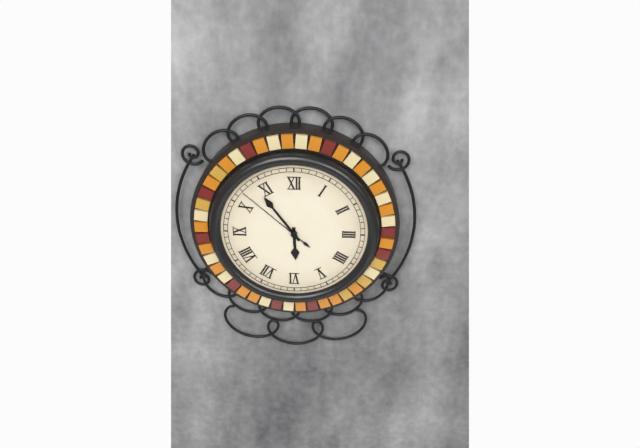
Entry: h=5 m=54 s=52
